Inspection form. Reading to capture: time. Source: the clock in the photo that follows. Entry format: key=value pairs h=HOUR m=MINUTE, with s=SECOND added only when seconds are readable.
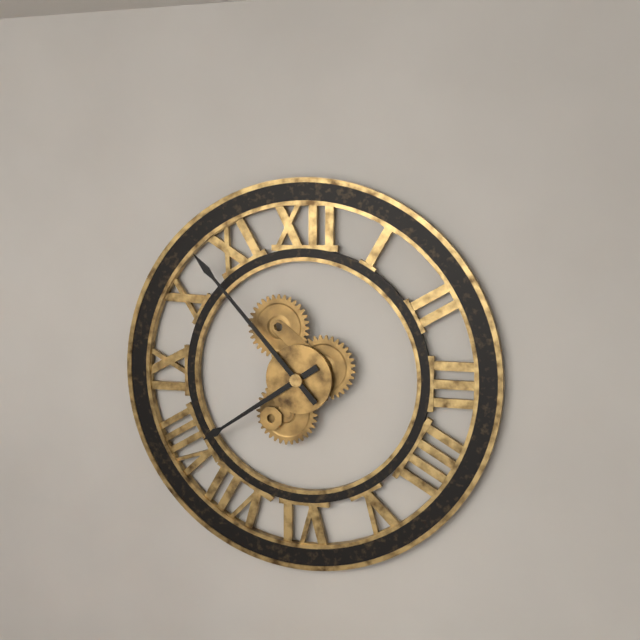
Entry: h=7 m=53
